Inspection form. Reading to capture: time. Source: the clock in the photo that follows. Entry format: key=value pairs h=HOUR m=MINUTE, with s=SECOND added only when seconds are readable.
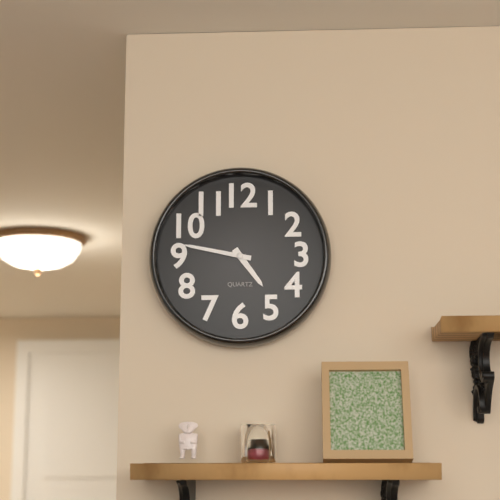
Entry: h=4 m=47
